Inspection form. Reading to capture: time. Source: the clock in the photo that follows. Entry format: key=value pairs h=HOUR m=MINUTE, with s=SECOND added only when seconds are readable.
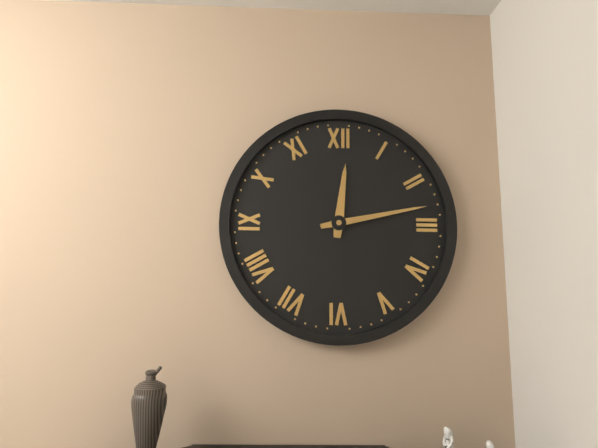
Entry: h=12 m=13
